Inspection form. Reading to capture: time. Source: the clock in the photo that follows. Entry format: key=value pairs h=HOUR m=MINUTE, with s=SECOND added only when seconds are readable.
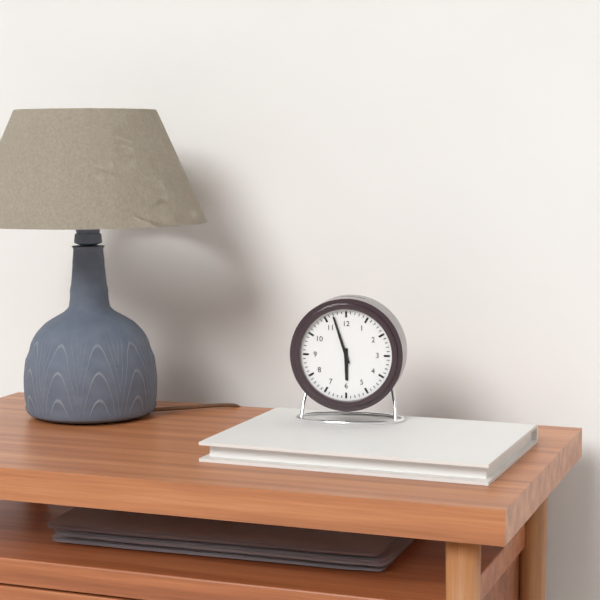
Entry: h=5 m=57
